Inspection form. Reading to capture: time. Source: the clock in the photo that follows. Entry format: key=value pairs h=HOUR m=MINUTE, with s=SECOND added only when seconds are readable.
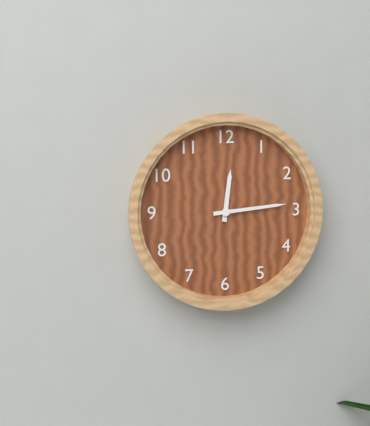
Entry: h=12 m=14
